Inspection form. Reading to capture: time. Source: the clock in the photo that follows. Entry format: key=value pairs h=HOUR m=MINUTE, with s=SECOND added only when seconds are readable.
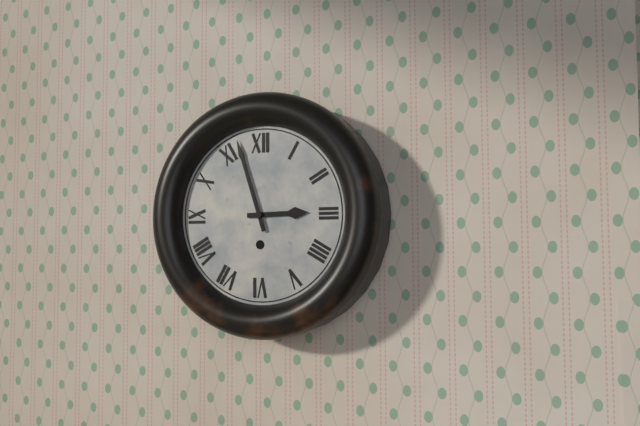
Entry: h=2 m=57
